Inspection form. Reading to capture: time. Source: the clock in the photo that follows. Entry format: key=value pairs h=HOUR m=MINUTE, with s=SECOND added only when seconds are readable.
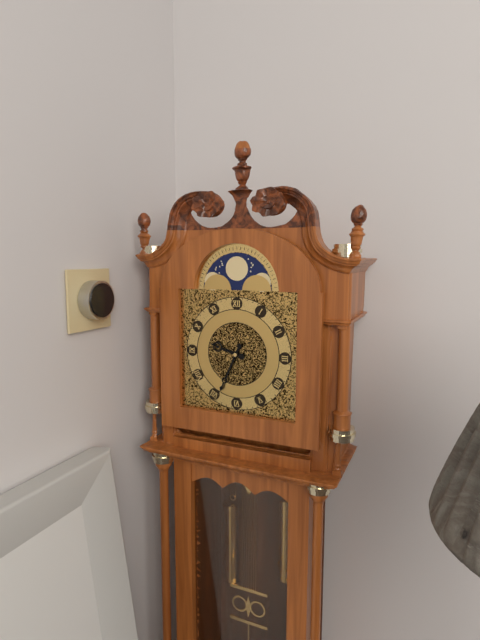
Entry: h=9 m=34
